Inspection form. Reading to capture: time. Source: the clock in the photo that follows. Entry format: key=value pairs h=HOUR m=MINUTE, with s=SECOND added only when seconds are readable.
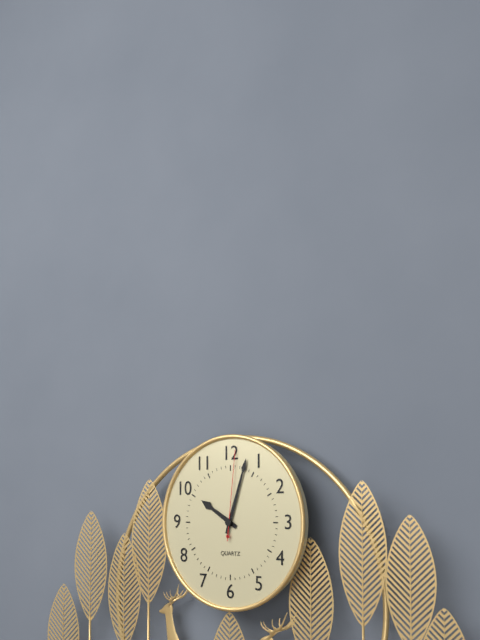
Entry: h=10 m=3 s=1
